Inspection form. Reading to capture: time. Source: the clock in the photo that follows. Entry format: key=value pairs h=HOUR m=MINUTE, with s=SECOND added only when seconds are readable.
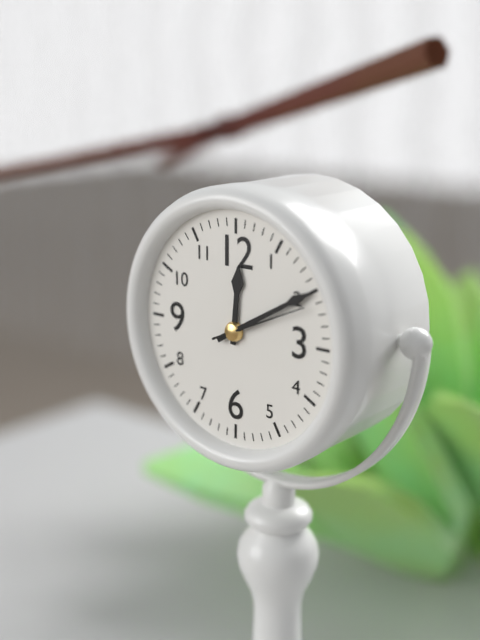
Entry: h=12 m=10 s=11
